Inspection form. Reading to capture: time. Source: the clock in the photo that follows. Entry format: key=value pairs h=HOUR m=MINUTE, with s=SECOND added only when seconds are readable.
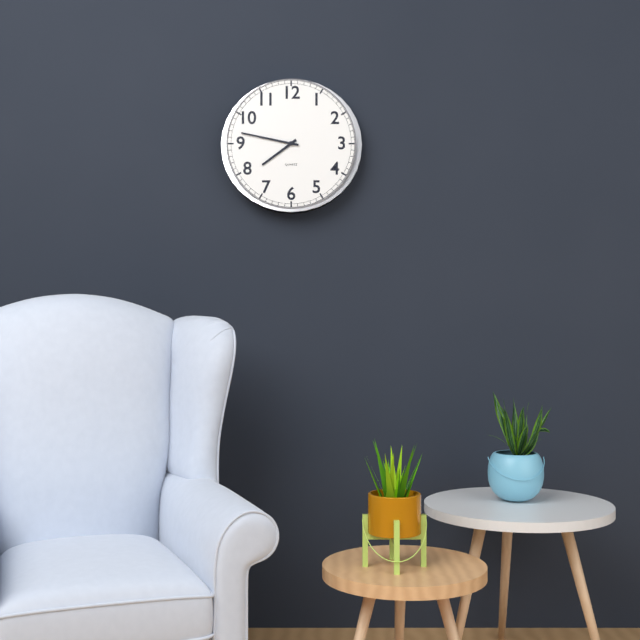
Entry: h=7 m=47
